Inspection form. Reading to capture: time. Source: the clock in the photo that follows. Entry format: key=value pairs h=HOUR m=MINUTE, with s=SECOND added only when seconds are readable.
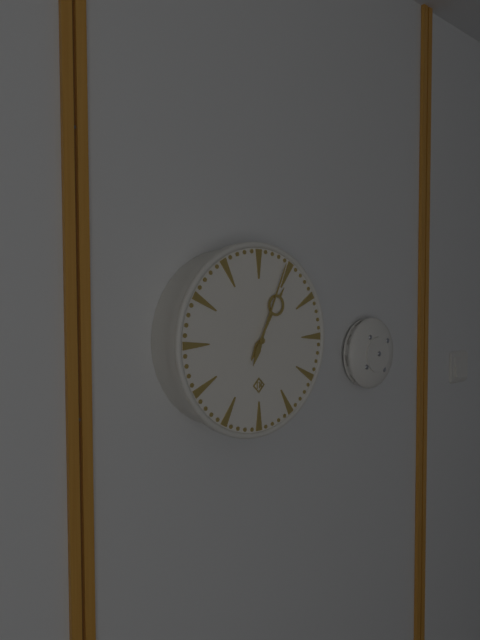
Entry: h=1 m=4
